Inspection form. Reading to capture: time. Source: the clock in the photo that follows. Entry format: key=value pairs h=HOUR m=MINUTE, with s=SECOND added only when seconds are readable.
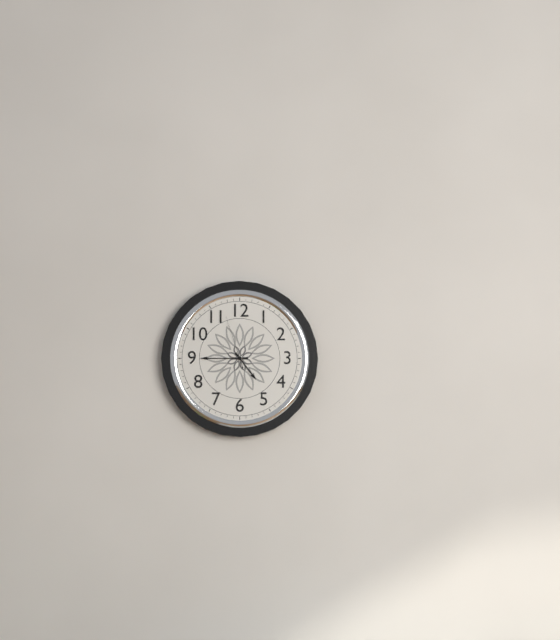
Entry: h=4 m=45 s=57
